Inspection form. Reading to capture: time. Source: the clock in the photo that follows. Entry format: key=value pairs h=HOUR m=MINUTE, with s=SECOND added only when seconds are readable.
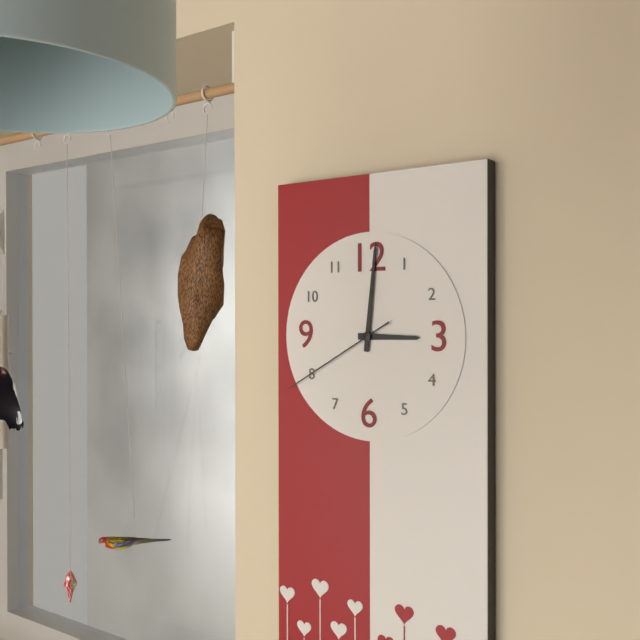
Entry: h=3 m=1 s=40
